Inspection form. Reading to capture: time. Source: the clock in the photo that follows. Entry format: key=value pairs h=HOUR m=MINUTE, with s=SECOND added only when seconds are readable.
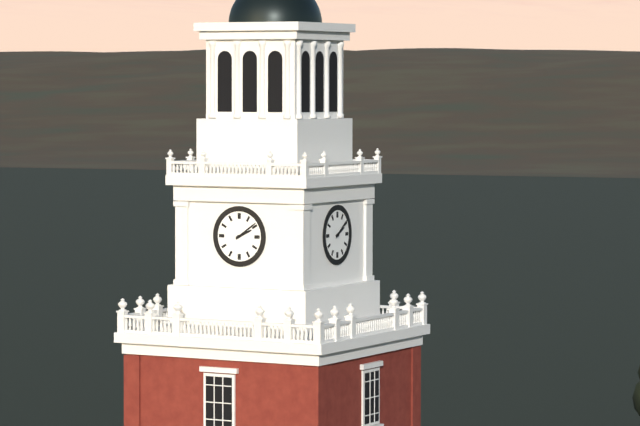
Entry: h=2 m=9
